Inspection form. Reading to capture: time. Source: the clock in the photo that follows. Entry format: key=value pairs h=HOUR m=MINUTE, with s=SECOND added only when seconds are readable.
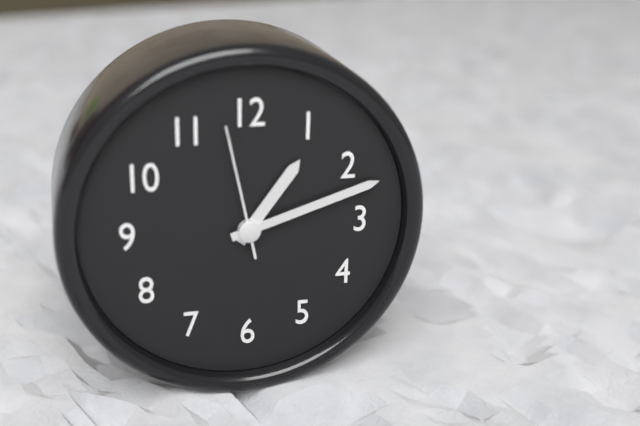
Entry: h=1 m=12 s=58
